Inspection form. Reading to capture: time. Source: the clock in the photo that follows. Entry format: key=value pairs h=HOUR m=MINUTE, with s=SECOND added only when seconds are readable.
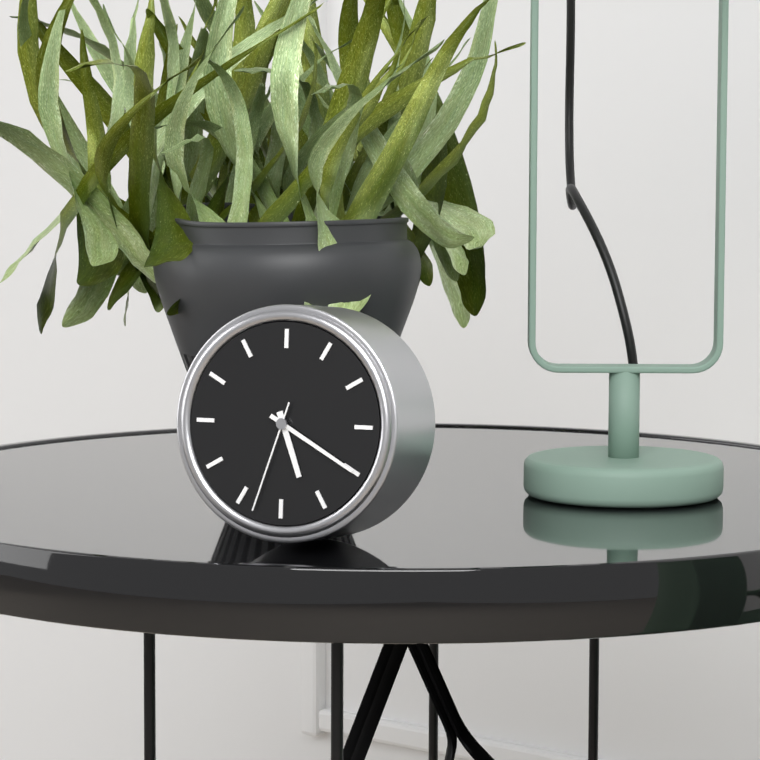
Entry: h=5 m=20 s=33
